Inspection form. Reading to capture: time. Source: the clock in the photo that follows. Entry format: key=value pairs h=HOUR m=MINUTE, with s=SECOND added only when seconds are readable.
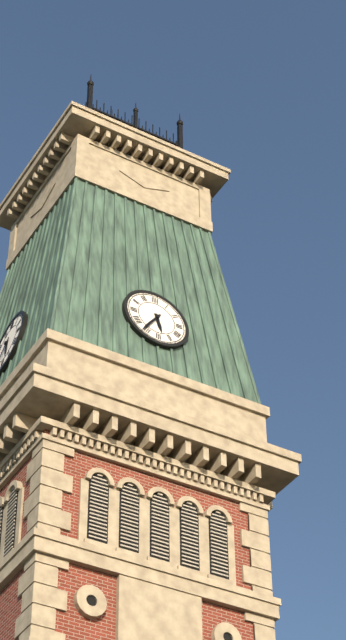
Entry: h=5 m=36
